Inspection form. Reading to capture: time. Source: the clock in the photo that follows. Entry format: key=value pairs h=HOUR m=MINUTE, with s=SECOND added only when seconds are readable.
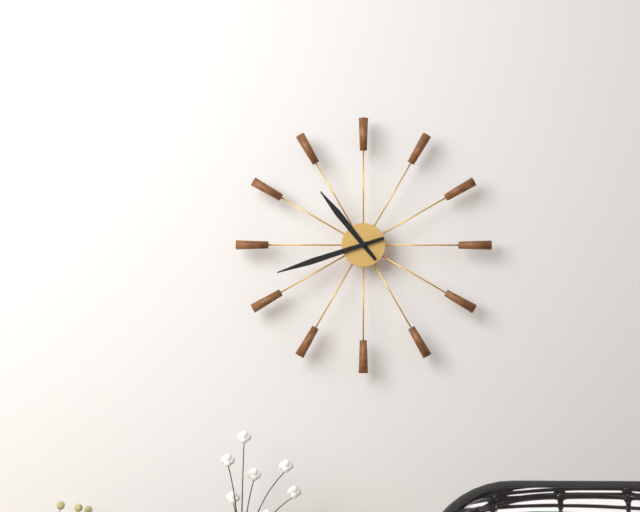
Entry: h=10 m=42
